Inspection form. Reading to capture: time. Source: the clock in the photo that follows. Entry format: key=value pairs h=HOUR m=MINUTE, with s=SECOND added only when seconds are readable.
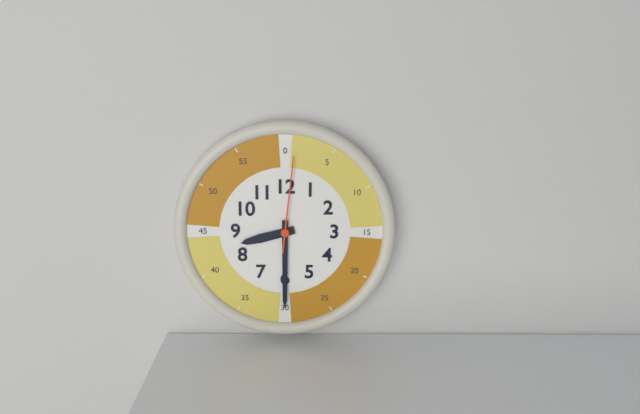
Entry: h=8 m=30 s=1
